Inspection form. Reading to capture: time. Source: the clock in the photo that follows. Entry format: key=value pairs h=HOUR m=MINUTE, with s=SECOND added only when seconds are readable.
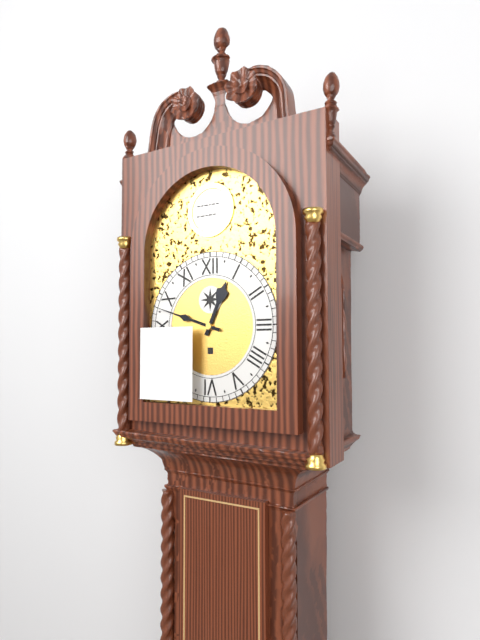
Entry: h=12 m=48
